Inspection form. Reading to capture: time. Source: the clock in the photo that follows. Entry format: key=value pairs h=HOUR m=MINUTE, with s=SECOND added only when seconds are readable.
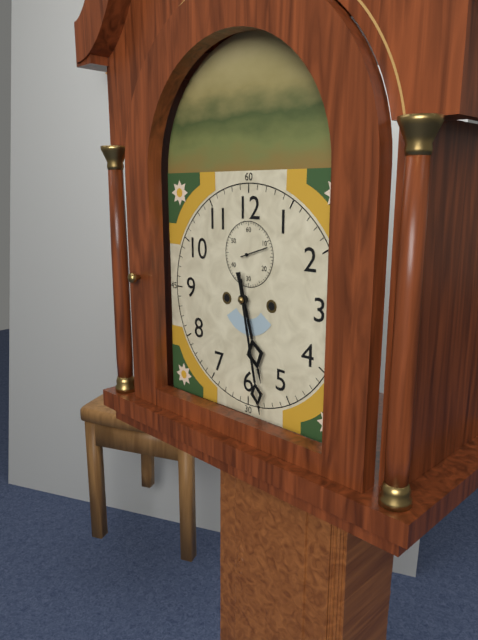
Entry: h=5 m=28
